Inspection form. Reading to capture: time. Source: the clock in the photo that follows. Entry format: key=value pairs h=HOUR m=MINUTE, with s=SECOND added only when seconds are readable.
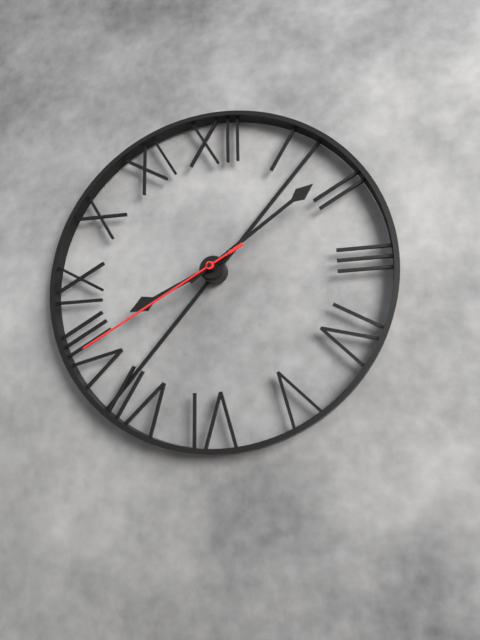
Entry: h=8 m=9 s=40
